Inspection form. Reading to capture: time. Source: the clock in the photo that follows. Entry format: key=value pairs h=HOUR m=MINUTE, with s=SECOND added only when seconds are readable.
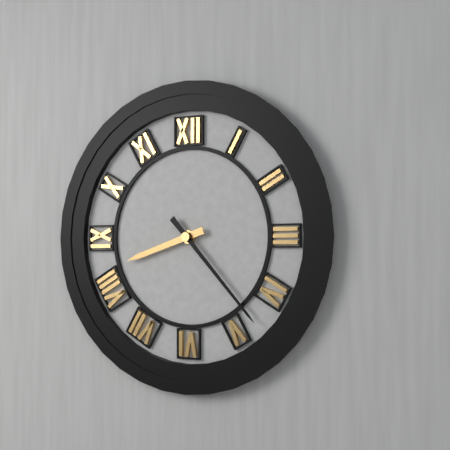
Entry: h=8 m=23
